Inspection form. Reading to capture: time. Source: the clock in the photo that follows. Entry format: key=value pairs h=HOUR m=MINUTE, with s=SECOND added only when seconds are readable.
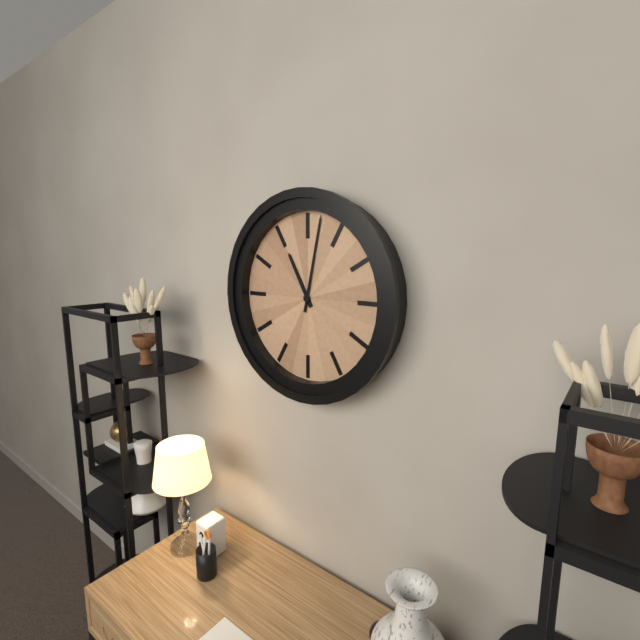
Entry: h=11 m=2
